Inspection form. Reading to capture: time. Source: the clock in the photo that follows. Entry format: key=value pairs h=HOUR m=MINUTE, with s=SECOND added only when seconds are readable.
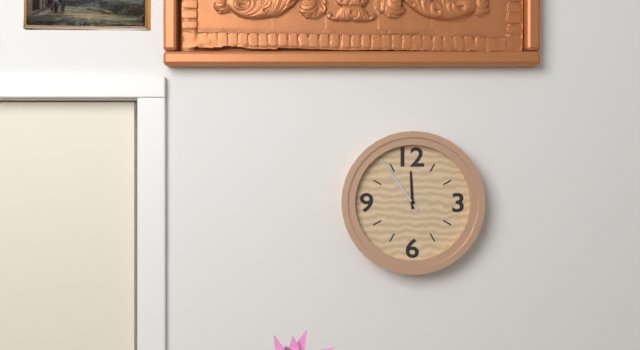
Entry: h=11 m=54
